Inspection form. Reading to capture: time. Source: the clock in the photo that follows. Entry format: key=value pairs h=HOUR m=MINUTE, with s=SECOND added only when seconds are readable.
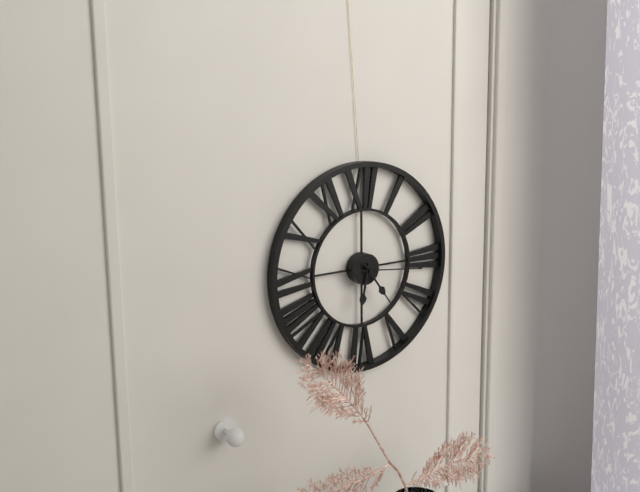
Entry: h=6 m=24 s=16
